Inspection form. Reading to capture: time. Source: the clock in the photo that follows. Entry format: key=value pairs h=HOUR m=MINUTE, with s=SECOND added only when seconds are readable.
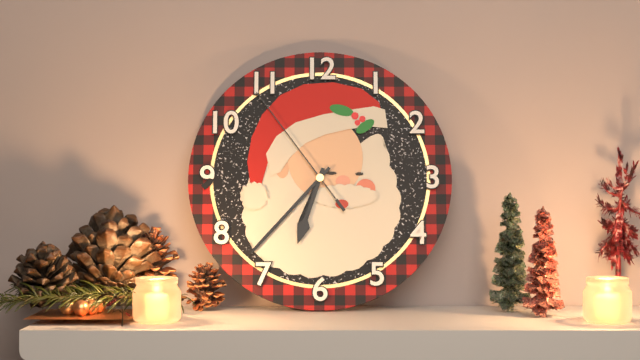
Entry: h=6 m=37 s=54
